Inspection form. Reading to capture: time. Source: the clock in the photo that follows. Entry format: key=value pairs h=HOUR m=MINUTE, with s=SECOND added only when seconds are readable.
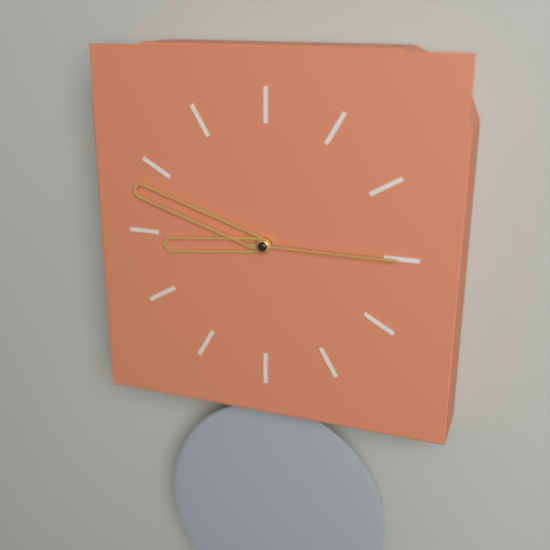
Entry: h=8 m=48 s=15
